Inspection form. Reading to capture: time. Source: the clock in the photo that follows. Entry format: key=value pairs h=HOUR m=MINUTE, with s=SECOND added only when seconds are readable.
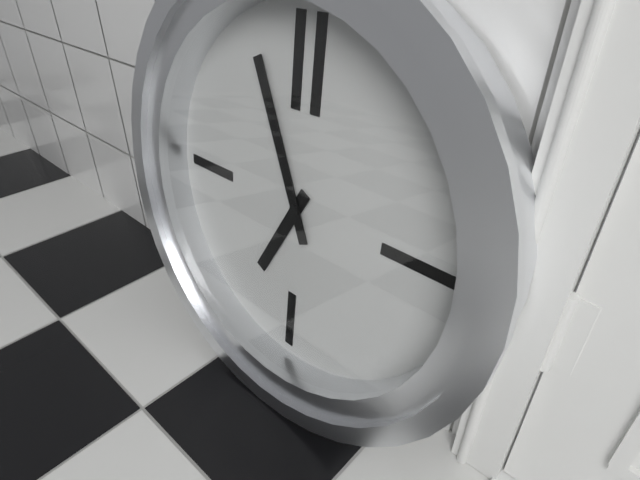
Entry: h=6 m=56
